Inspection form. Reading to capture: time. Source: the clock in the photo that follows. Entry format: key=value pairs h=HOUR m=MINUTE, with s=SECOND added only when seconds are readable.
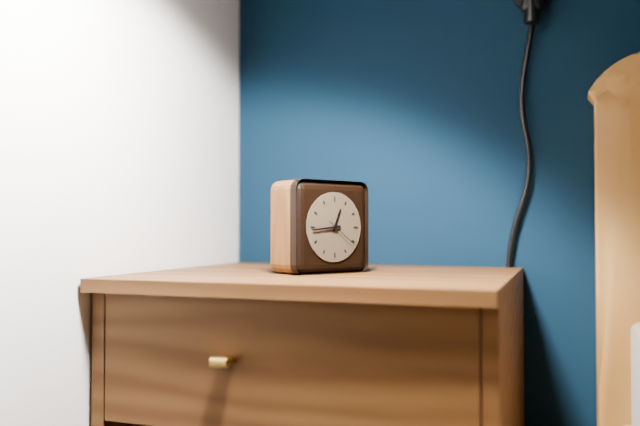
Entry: h=12 m=44
